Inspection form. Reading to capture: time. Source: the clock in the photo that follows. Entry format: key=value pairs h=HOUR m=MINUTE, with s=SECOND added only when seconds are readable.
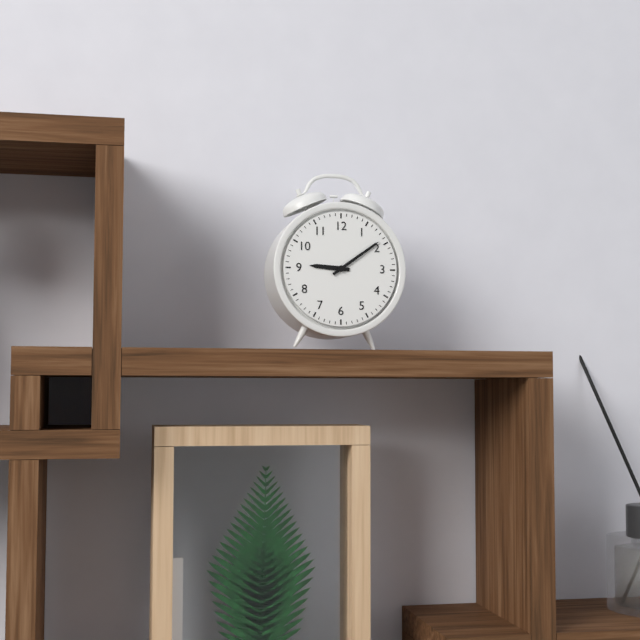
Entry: h=9 m=9
